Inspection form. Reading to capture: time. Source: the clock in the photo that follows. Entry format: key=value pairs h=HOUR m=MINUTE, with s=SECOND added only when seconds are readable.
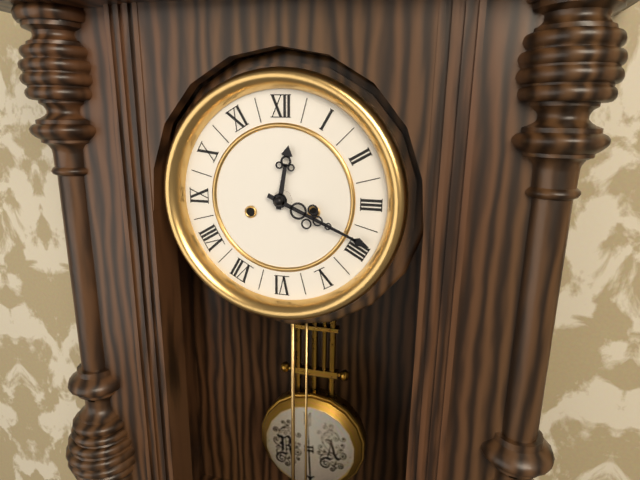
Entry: h=12 m=19
